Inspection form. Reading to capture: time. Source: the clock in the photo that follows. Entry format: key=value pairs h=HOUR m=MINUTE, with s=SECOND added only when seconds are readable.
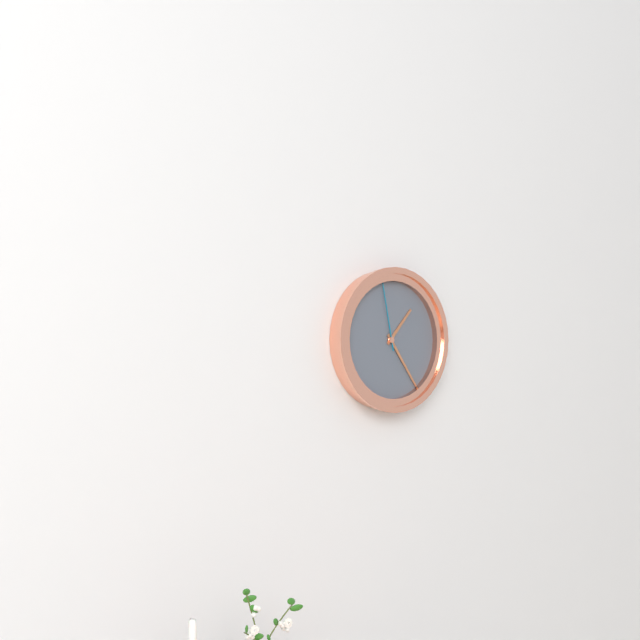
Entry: h=1 m=24 s=58
